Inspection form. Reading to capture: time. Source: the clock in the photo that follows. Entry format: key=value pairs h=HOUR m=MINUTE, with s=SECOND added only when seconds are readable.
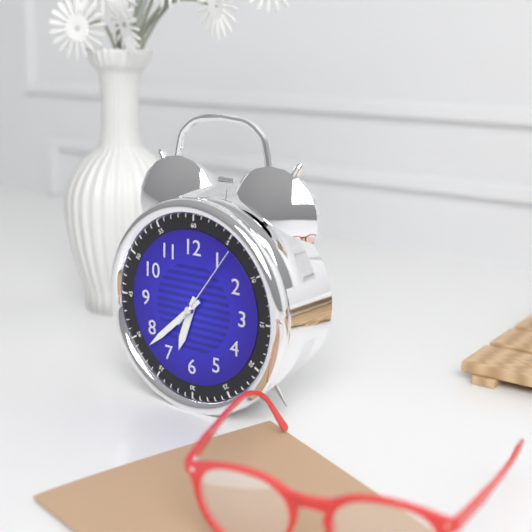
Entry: h=6 m=38 s=6
